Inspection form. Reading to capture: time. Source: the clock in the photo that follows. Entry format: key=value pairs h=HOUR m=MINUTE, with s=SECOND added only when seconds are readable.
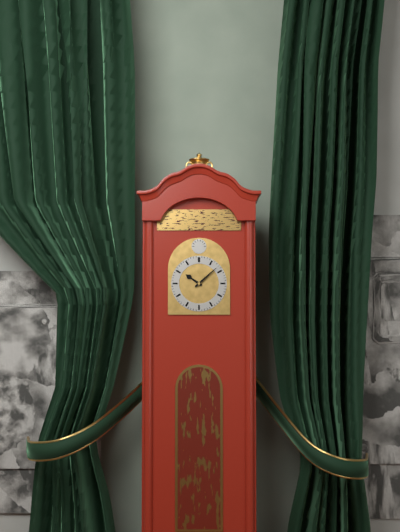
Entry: h=10 m=8
